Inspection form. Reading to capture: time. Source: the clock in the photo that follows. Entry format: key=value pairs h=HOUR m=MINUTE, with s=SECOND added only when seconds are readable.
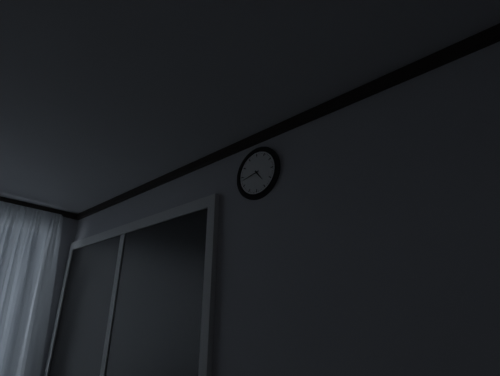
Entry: h=4 m=43
